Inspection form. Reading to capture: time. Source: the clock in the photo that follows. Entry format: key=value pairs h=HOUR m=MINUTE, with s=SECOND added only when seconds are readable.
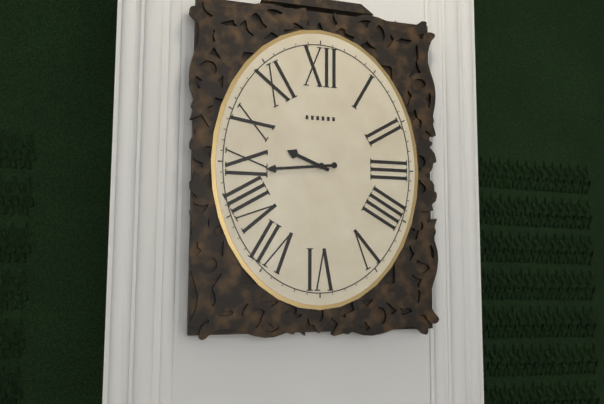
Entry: h=9 m=44
